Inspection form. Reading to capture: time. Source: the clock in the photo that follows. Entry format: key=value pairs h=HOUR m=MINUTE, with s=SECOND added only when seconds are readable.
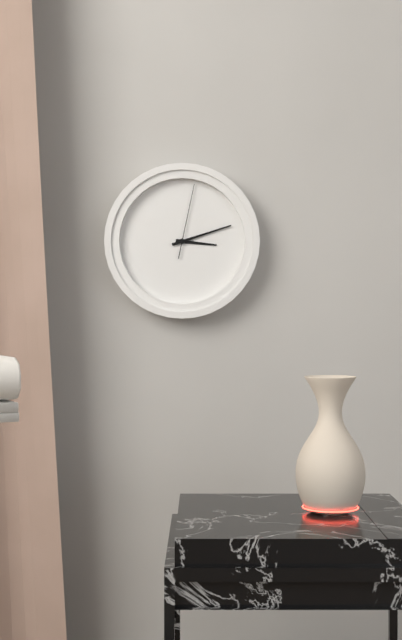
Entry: h=3 m=12 s=2
